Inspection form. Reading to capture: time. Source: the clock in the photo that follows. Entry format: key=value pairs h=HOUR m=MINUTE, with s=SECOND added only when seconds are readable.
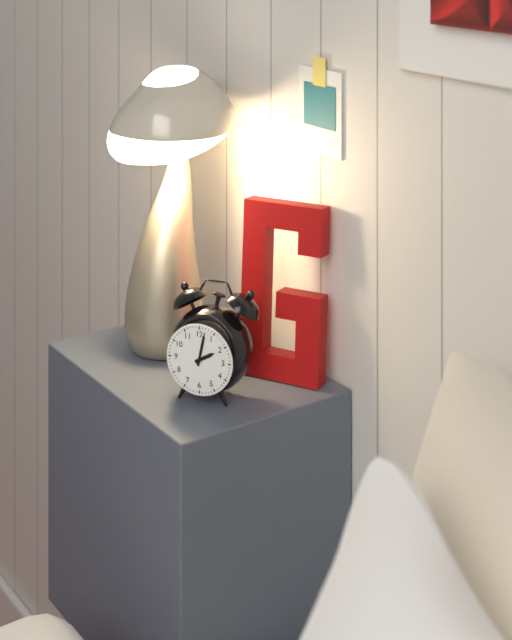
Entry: h=2 m=2
